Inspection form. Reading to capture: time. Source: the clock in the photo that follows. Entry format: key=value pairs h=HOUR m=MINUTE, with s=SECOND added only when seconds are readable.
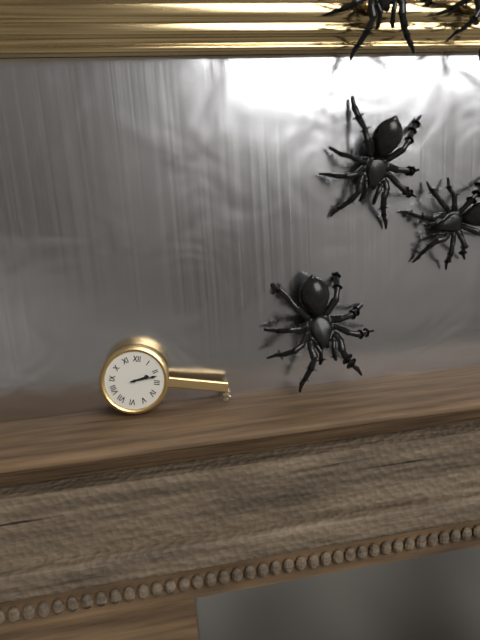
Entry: h=2 m=12
